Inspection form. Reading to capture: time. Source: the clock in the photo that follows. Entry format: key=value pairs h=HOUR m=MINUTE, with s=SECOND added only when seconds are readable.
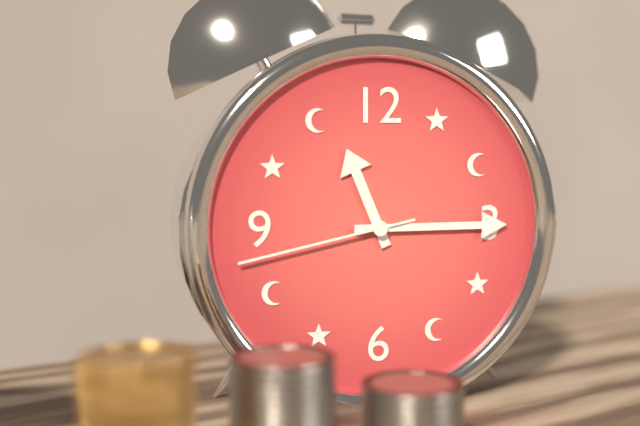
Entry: h=11 m=15 s=43
